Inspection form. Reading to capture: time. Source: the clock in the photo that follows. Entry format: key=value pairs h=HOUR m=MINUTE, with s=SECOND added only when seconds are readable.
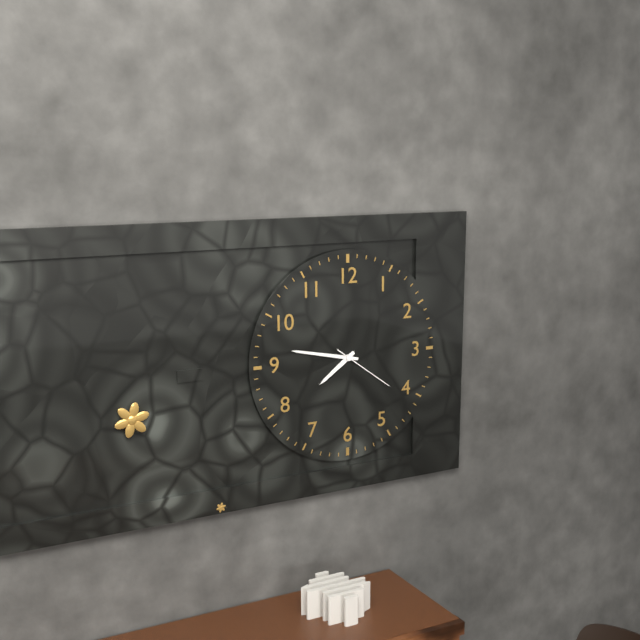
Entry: h=7 m=47 s=21
